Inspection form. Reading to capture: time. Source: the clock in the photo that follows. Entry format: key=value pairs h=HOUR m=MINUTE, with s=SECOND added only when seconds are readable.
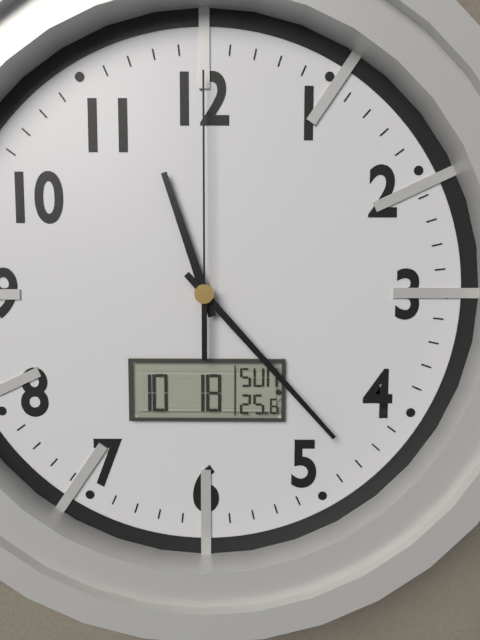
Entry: h=11 m=23 s=0
